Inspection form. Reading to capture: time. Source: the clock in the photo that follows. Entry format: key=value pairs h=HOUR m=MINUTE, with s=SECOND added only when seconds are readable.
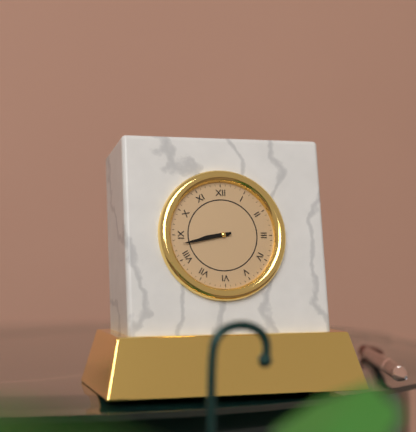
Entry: h=8 m=43
